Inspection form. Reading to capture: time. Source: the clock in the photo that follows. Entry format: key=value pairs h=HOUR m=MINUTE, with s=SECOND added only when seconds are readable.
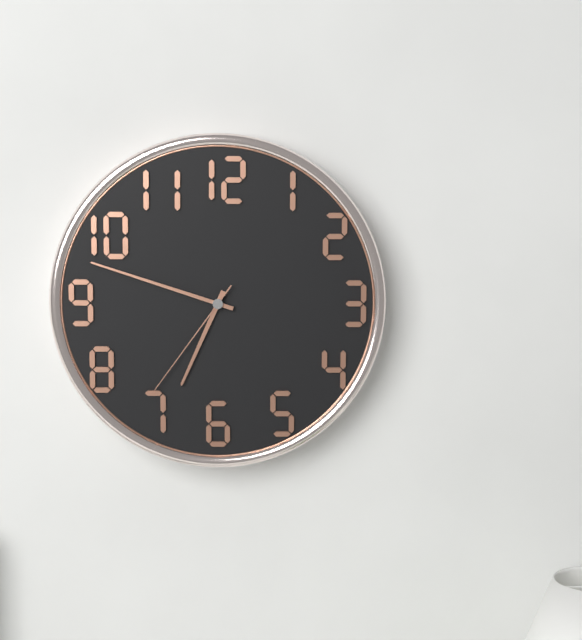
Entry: h=6 m=48 s=36
